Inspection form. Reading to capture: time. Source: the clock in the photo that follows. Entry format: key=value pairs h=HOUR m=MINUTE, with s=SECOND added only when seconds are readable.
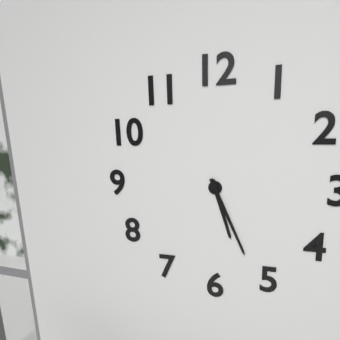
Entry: h=5 m=26
